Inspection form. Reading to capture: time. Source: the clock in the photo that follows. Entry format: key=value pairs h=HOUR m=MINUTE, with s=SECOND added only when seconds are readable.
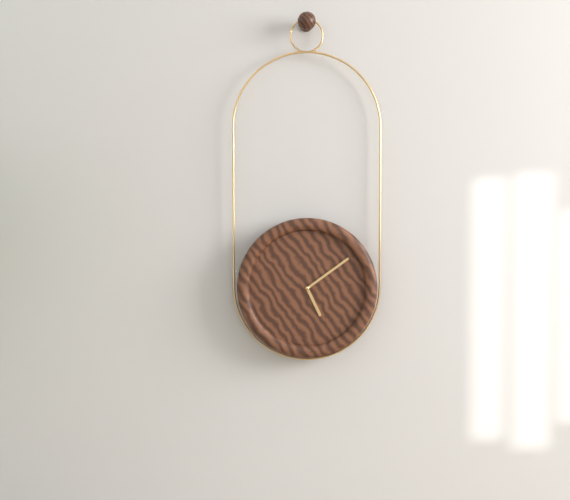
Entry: h=5 m=9
